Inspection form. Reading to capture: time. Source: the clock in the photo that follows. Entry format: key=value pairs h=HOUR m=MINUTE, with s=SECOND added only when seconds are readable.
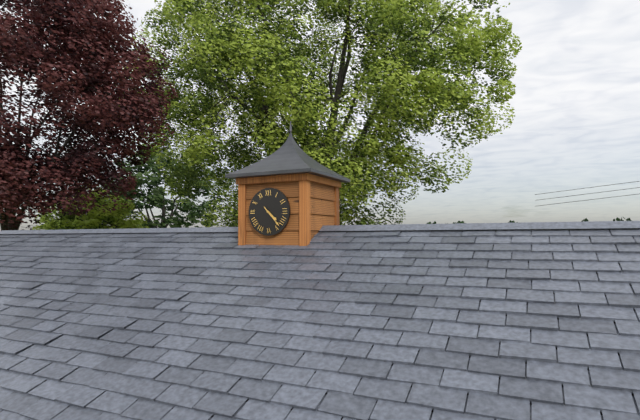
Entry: h=4 m=23
